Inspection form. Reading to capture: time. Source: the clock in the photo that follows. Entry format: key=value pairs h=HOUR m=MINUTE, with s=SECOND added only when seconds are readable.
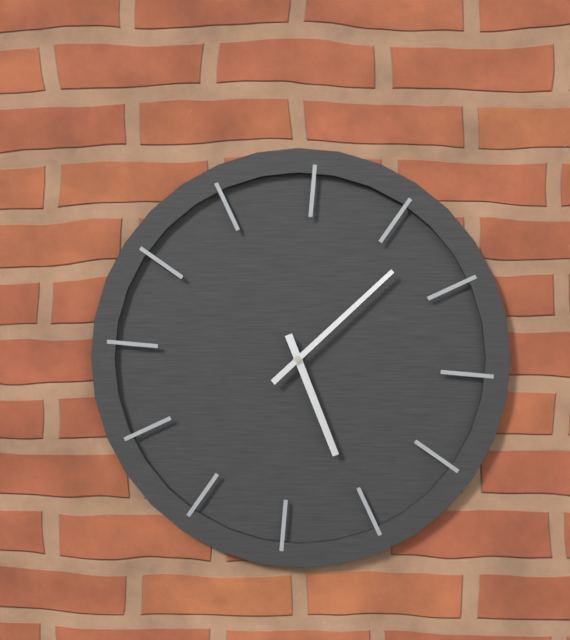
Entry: h=5 m=7
